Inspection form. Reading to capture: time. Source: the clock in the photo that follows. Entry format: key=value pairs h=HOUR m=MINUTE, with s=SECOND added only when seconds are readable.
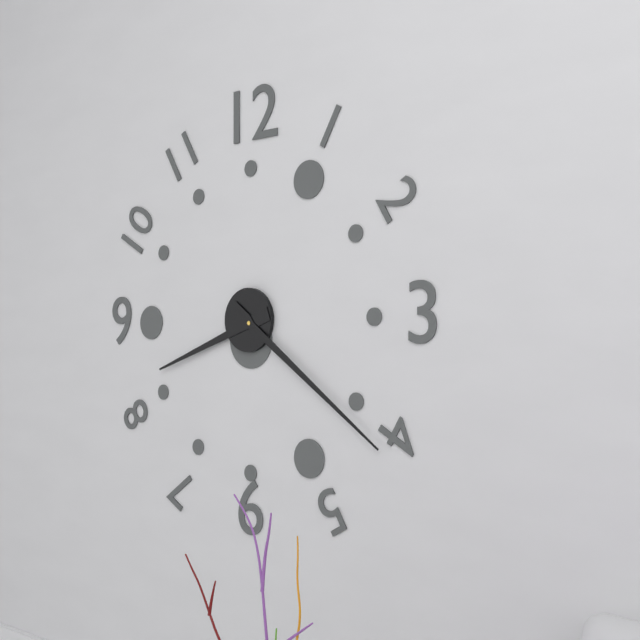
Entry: h=8 m=21
